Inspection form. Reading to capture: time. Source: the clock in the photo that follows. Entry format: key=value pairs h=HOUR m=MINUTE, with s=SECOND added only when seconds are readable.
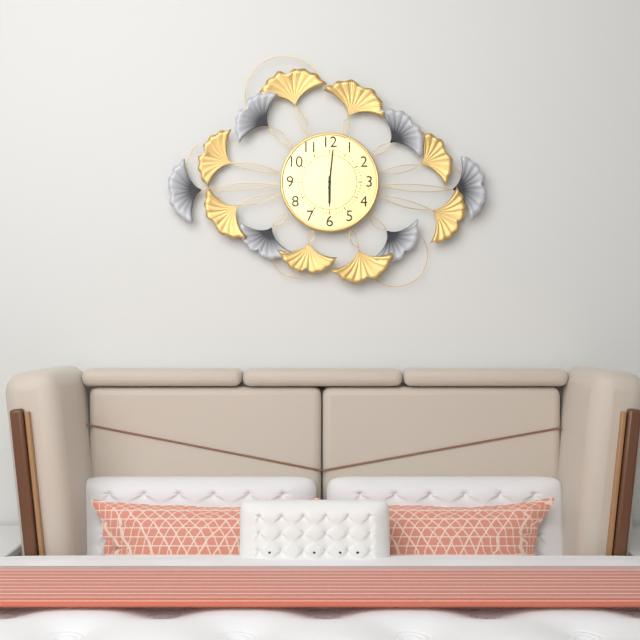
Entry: h=6 m=1
